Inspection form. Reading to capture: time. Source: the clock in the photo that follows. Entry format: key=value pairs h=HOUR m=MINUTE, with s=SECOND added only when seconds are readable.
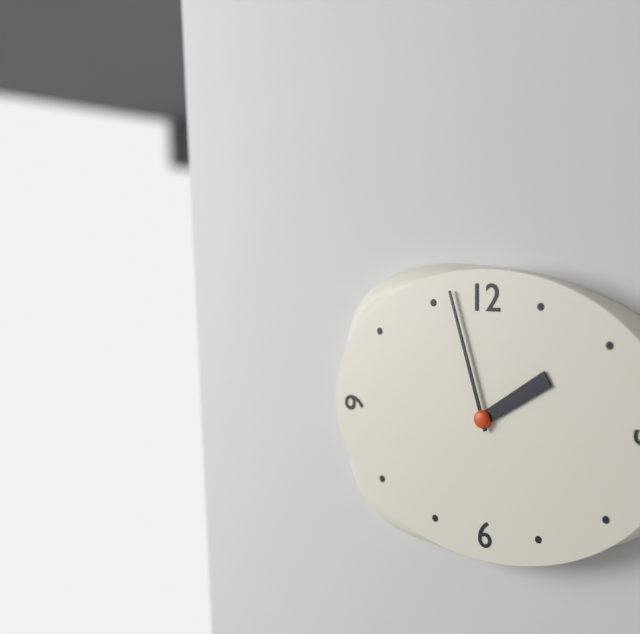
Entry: h=1 m=57
